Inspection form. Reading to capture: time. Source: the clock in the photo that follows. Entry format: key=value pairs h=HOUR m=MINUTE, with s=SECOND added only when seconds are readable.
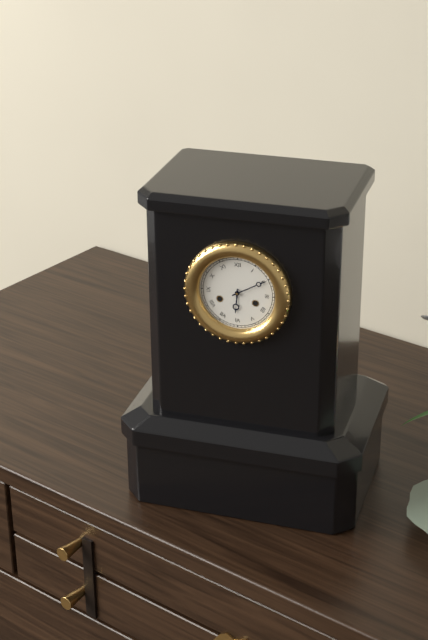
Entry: h=6 m=10
